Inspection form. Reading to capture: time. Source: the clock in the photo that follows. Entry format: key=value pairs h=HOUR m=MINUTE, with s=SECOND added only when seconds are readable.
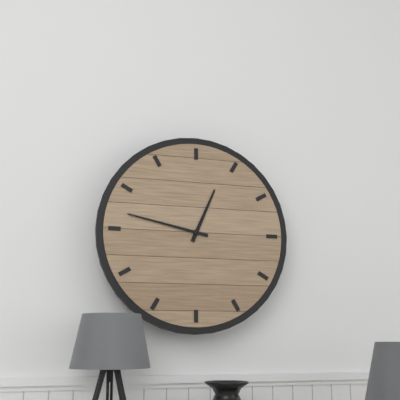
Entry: h=12 m=47
